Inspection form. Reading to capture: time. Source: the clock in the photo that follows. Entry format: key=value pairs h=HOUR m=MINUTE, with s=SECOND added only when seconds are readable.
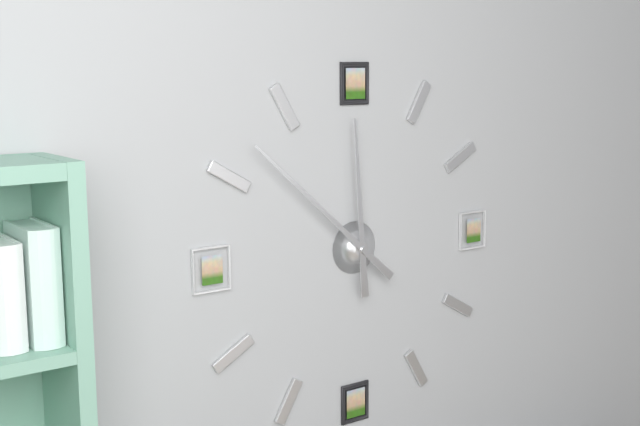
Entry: h=11 m=52
